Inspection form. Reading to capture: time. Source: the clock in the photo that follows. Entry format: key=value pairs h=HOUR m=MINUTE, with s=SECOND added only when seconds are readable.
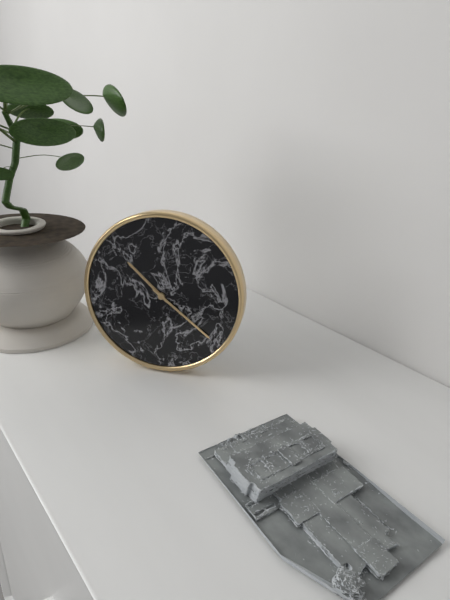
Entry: h=10 m=21
